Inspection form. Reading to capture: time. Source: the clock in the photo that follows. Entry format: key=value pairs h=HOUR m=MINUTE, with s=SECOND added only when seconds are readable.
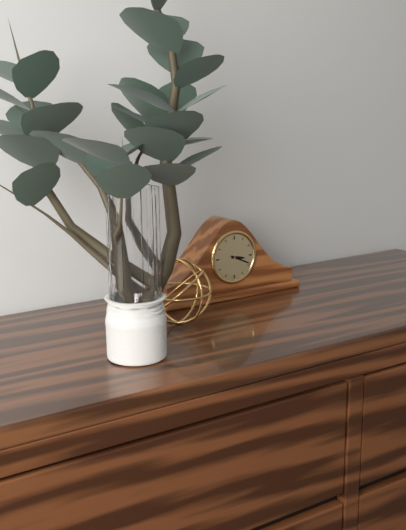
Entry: h=3 m=19
